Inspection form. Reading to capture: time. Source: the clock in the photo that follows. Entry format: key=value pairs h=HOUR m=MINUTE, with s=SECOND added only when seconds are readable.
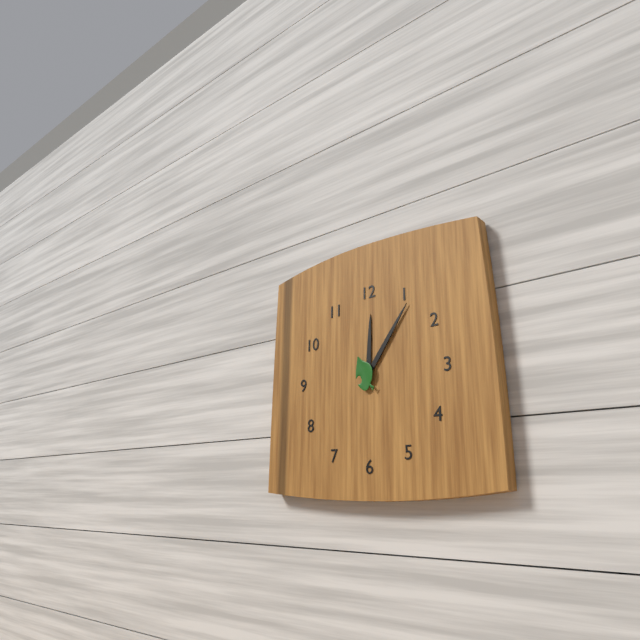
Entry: h=12 m=6
